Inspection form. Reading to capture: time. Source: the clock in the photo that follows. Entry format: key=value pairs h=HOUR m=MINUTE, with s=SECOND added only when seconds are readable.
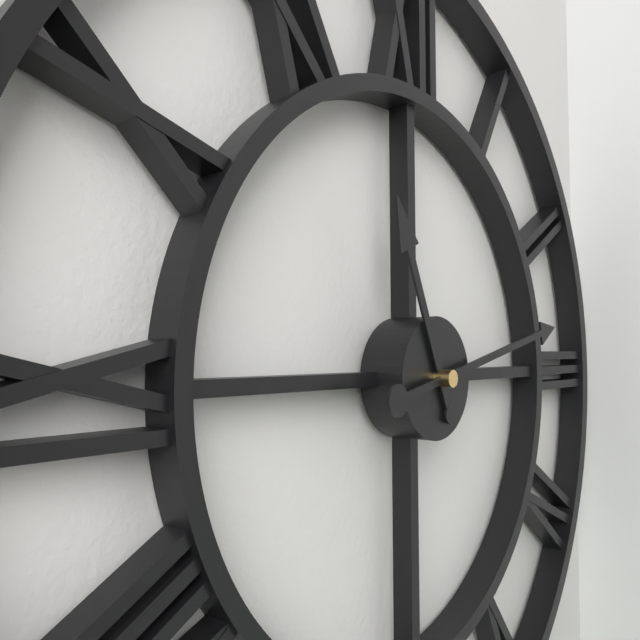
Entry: h=11 m=13
